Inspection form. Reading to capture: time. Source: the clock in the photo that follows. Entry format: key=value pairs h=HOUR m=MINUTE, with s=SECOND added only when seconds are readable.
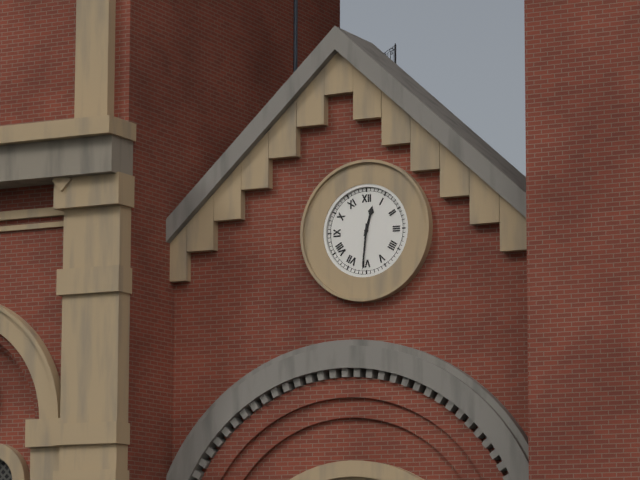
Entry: h=12 m=31
